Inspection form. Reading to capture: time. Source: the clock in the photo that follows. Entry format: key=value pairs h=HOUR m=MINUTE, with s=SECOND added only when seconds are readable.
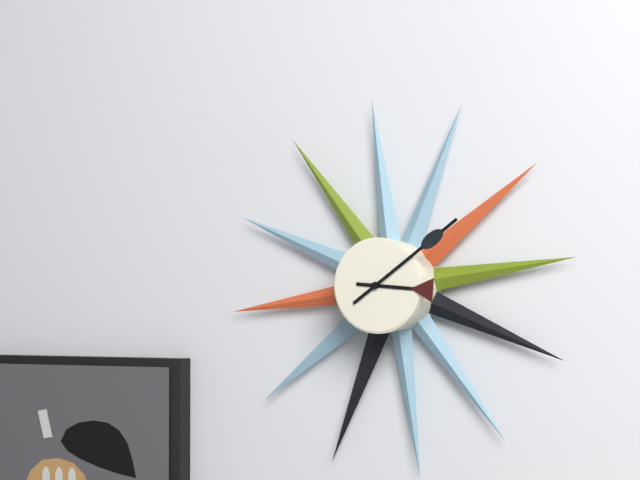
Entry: h=3 m=9
